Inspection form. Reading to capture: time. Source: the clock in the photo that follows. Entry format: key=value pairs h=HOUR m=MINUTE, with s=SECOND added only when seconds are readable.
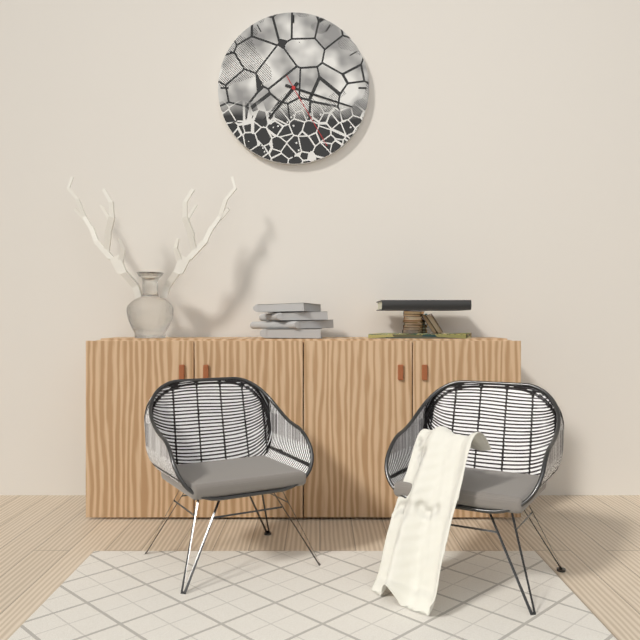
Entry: h=7 m=18 s=25
